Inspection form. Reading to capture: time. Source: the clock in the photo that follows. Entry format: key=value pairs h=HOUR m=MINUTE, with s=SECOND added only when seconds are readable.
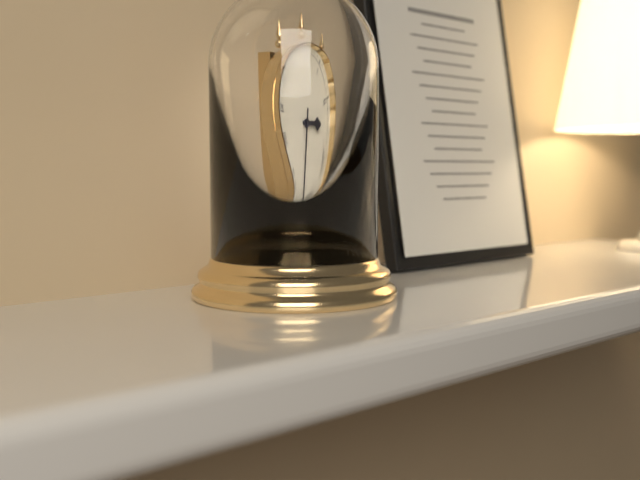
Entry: h=2 m=31
